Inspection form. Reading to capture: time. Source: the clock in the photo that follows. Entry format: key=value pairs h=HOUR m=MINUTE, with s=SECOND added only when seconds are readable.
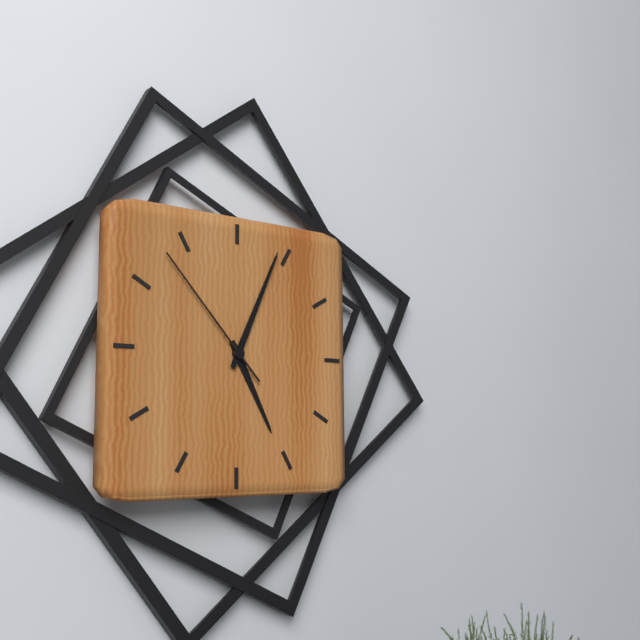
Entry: h=5 m=4 s=53
